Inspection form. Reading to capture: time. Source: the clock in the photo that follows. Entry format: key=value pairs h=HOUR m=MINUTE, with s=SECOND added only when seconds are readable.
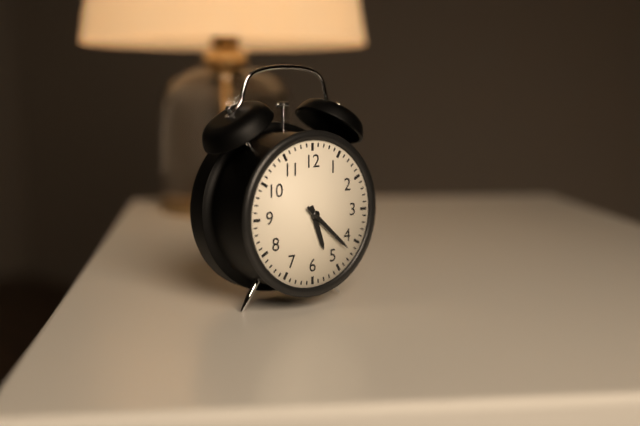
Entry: h=5 m=22
